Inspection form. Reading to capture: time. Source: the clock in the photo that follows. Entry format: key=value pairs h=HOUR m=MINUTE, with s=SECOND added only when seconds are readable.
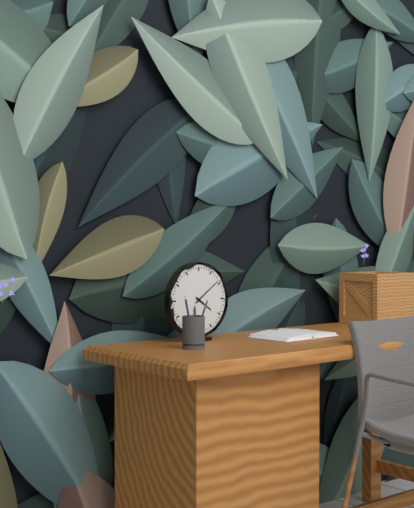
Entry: h=4 m=9
